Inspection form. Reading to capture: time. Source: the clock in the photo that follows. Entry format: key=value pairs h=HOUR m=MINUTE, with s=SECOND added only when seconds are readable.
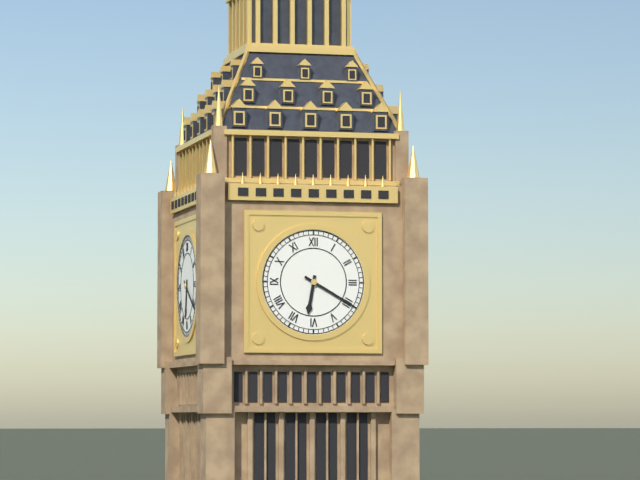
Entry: h=6 m=20
